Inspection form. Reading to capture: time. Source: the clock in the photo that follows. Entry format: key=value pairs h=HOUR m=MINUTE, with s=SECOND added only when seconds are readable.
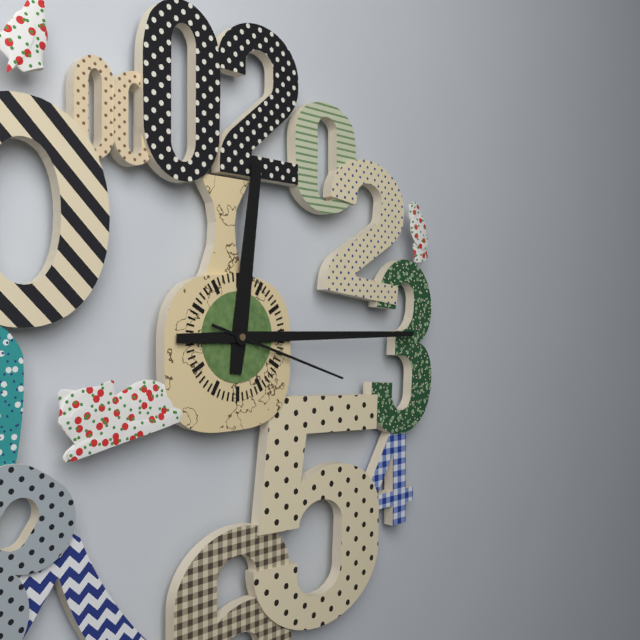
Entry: h=12 m=15 s=18
